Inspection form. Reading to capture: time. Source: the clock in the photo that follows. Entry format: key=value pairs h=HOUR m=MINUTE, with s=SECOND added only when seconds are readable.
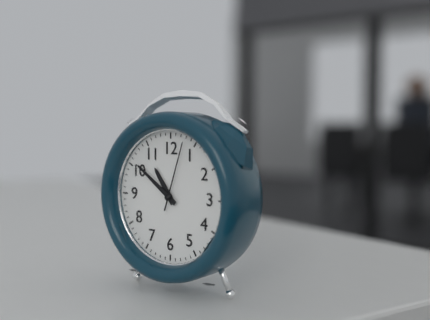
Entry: h=10 m=51 s=3
